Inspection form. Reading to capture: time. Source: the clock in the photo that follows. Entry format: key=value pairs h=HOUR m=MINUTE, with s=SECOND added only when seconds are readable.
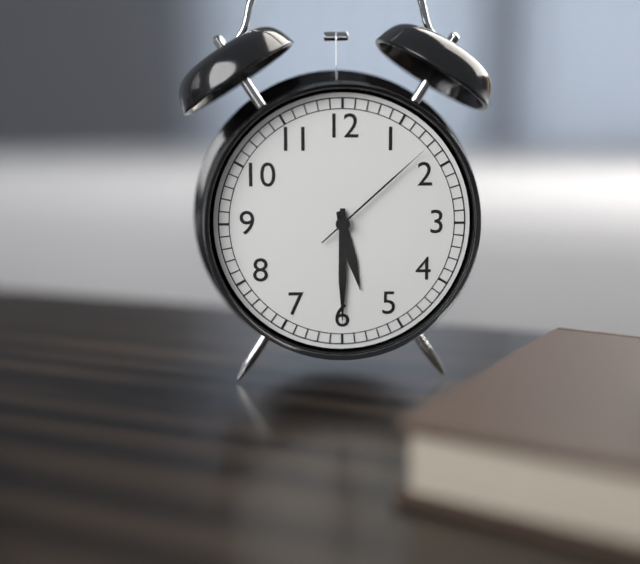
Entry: h=5 m=30 s=8
